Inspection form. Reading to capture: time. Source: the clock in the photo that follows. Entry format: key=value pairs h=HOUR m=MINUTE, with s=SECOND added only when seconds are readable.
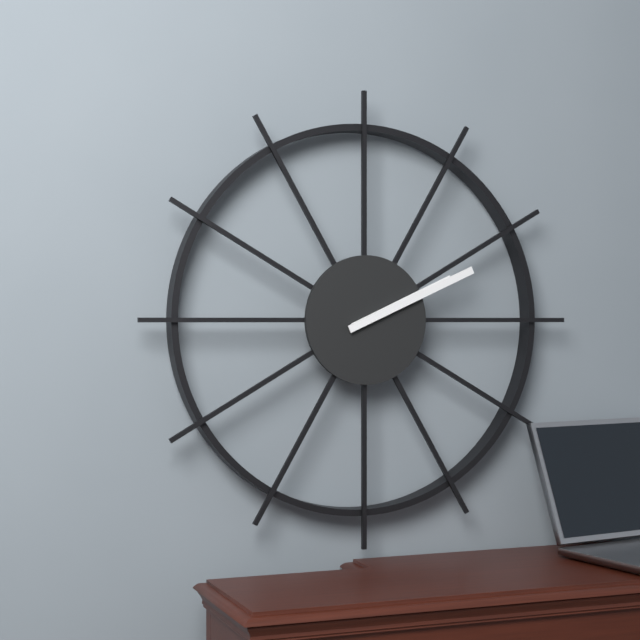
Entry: h=2 m=11
